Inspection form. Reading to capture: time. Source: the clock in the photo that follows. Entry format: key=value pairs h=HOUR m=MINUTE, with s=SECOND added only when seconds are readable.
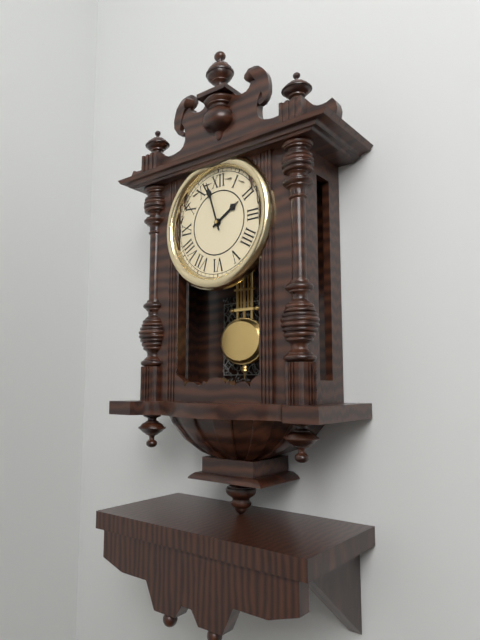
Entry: h=1 m=57
